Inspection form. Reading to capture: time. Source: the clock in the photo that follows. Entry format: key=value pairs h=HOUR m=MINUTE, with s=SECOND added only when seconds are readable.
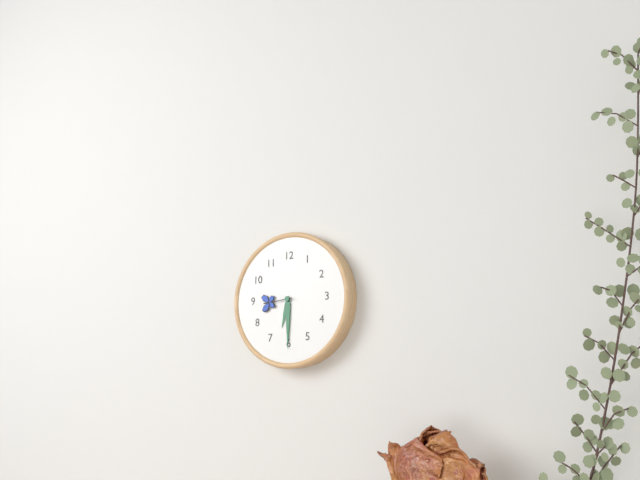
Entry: h=6 m=30
